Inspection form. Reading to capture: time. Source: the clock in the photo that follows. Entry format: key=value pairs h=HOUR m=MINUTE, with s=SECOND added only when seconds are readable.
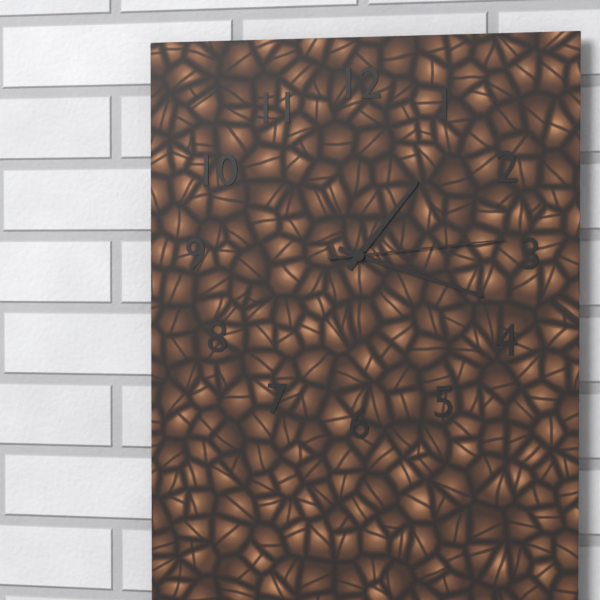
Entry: h=1 m=18 s=14
